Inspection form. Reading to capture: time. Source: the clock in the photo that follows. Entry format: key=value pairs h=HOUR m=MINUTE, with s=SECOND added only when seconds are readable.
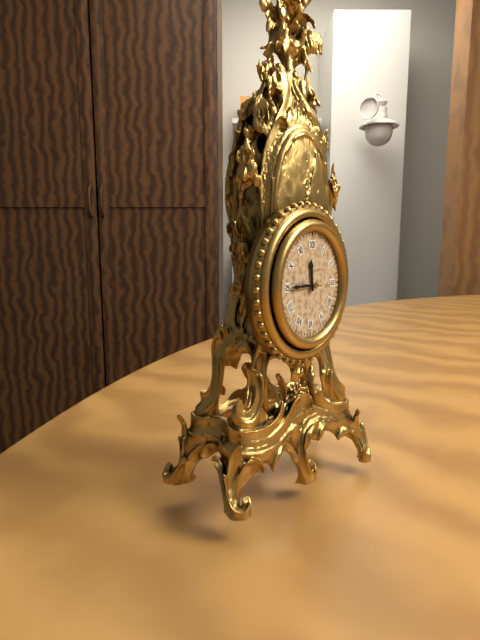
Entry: h=11 m=45
